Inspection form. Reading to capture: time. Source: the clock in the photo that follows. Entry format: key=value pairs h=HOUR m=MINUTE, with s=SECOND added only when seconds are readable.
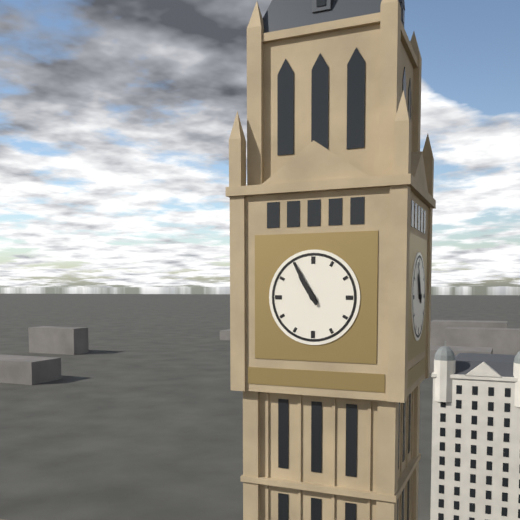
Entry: h=10 m=55
